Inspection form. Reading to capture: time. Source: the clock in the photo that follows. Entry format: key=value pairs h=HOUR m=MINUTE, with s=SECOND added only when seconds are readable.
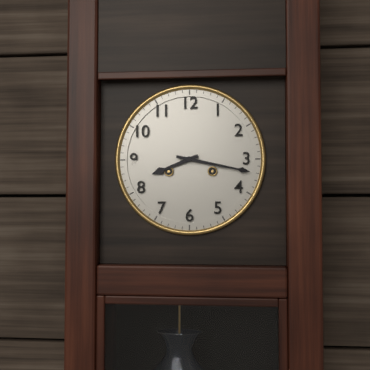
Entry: h=8 m=17
